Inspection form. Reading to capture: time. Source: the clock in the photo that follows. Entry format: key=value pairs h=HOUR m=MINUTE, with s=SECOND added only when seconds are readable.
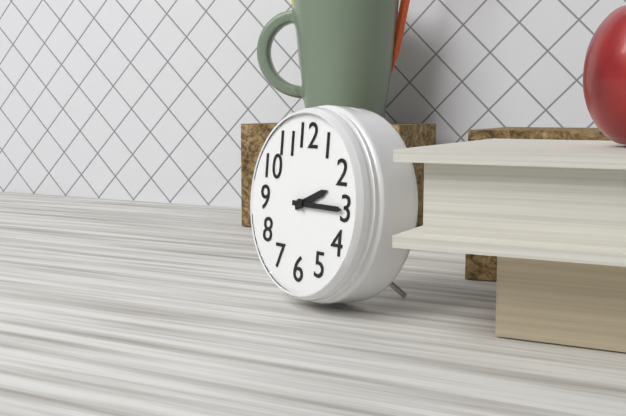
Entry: h=2 m=15
